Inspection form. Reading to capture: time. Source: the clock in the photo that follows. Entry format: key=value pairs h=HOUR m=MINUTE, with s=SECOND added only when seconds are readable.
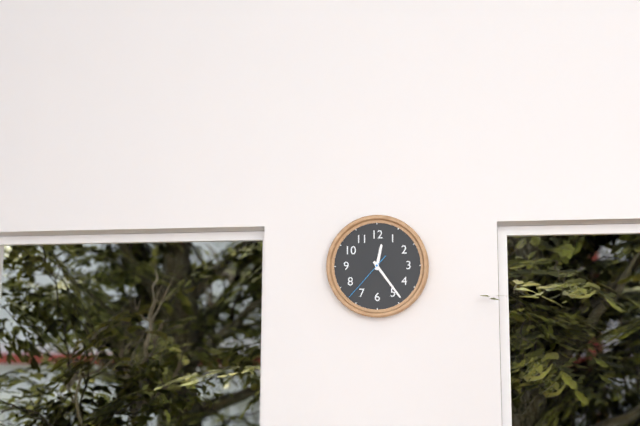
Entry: h=12 m=24 s=37
